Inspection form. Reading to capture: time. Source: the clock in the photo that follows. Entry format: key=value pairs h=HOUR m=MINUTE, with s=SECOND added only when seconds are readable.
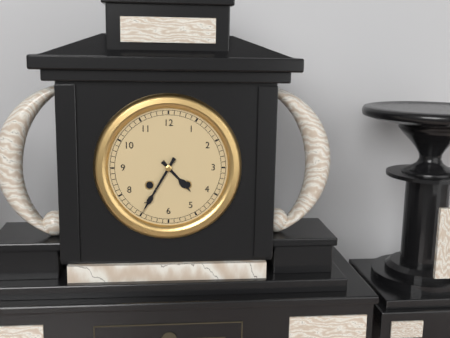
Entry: h=4 m=35
